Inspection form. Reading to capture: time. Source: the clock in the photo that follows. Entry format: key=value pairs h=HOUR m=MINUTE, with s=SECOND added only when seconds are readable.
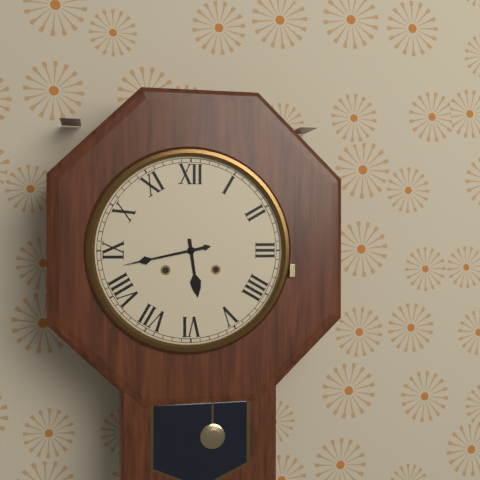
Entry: h=5 m=43
